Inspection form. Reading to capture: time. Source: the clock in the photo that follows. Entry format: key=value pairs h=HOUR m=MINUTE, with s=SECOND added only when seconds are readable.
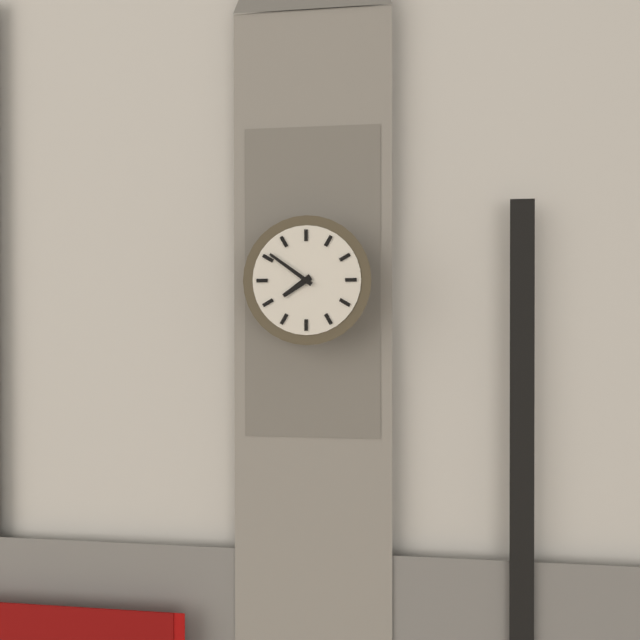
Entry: h=7 m=51
